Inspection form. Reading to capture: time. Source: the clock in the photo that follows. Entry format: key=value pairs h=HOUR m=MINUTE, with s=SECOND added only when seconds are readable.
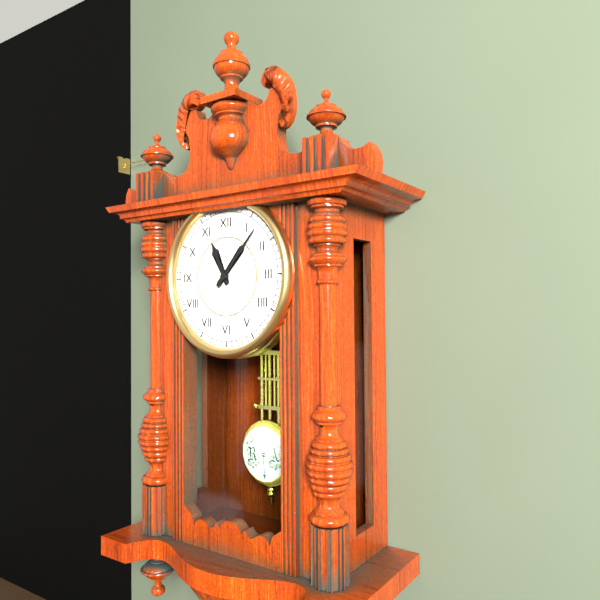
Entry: h=11 m=7
